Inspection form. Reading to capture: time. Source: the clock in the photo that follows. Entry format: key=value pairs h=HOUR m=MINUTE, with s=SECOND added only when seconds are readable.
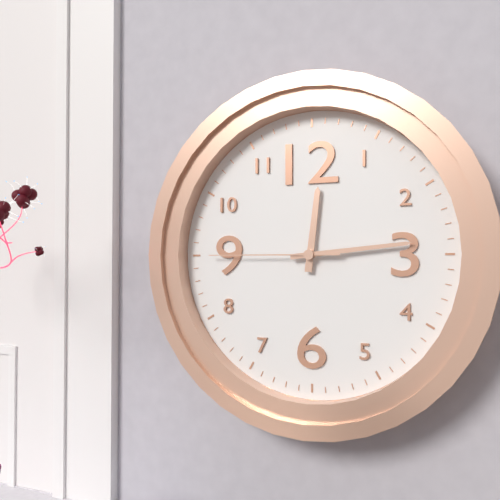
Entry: h=12 m=14 s=45
